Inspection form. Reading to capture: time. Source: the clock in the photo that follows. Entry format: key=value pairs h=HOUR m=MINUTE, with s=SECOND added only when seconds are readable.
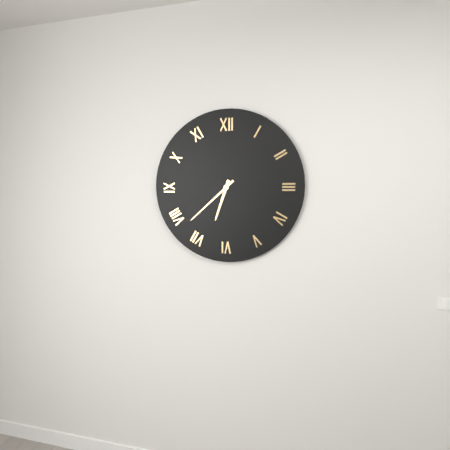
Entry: h=6 m=38
